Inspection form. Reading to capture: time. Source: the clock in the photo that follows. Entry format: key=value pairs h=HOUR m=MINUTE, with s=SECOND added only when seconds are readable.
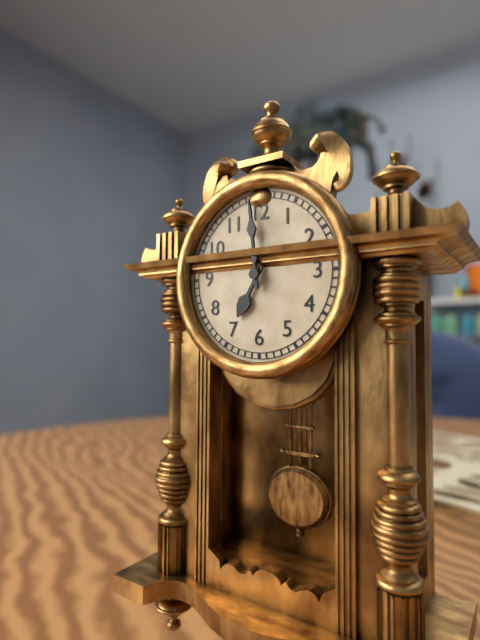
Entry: h=6 m=59
